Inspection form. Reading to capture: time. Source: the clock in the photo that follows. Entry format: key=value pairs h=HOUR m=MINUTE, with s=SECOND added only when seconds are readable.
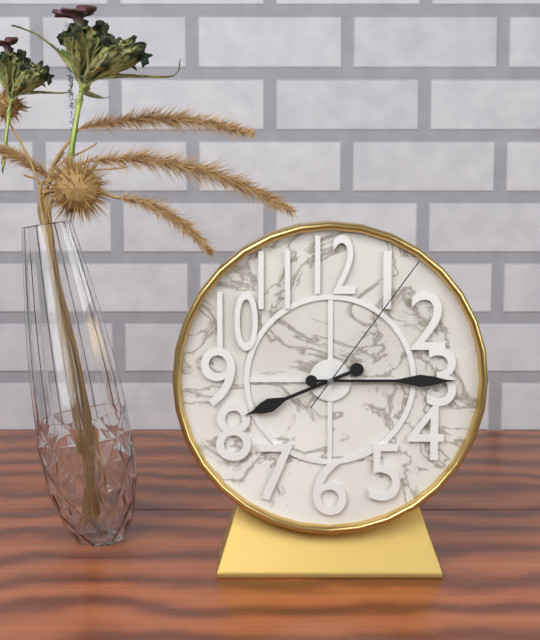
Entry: h=8 m=15 s=6
